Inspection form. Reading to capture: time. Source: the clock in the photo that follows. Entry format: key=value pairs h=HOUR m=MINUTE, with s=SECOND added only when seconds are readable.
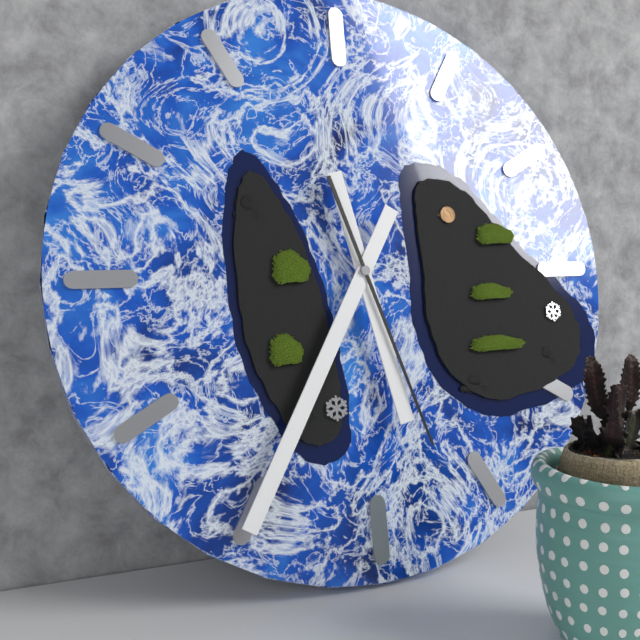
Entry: h=5 m=35 s=27
